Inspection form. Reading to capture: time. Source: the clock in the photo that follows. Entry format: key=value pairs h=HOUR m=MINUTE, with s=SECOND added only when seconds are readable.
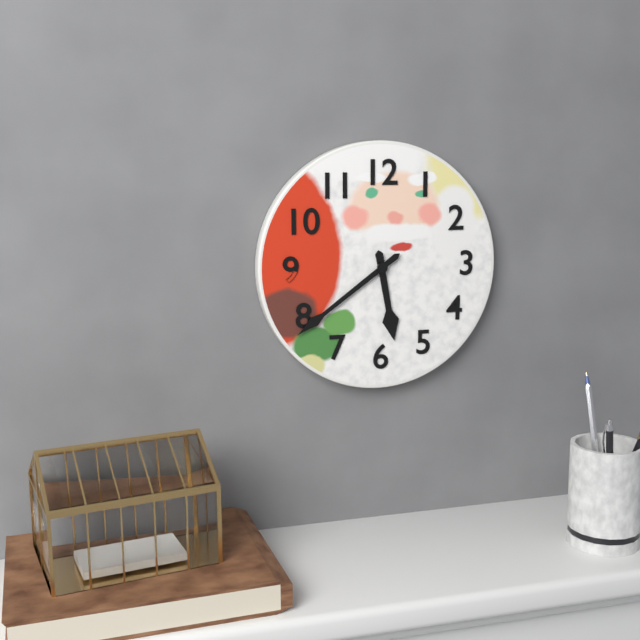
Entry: h=5 m=39
